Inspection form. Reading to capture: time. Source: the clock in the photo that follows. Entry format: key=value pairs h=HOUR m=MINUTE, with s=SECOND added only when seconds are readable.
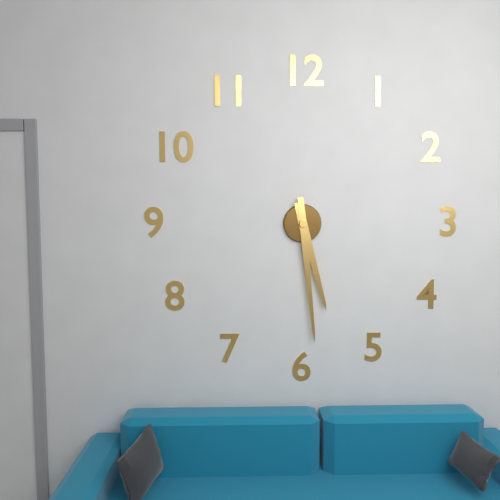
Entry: h=5 m=29
